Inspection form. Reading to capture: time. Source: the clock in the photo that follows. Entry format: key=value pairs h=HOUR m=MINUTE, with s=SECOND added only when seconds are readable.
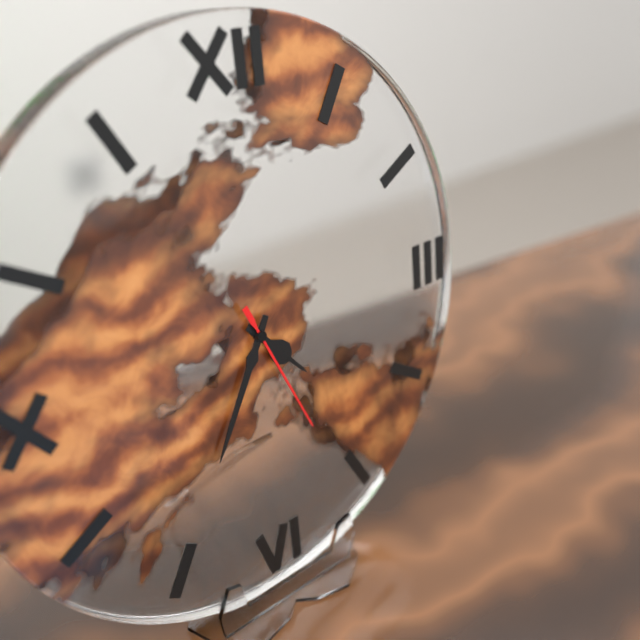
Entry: h=4 m=35 s=26
